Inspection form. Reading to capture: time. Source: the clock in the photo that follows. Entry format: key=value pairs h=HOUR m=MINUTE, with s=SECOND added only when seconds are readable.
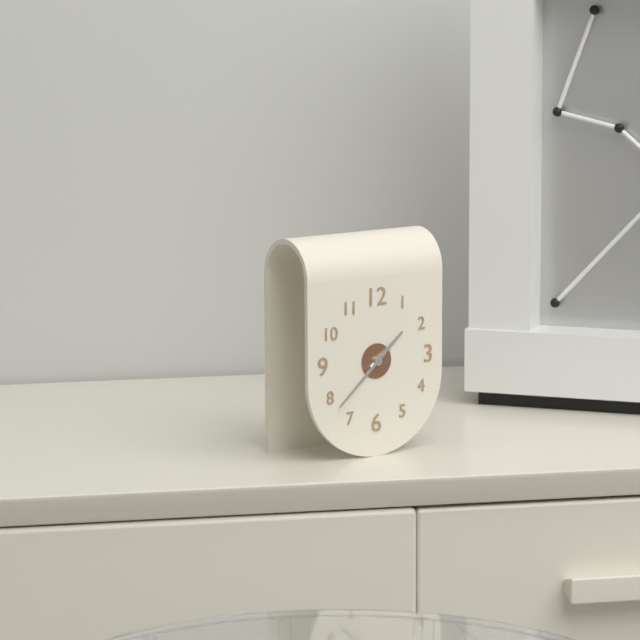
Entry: h=1 m=38
